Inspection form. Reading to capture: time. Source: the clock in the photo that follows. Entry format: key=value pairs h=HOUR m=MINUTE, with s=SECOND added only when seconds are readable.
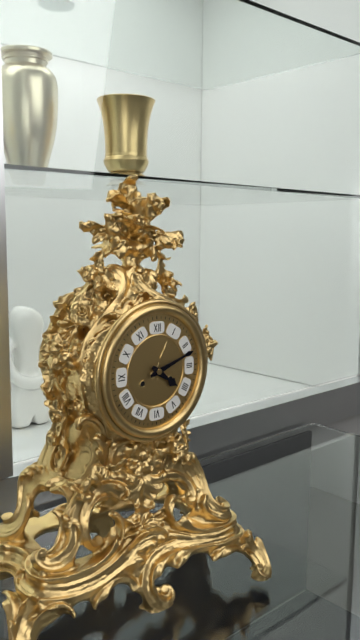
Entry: h=4 m=12
